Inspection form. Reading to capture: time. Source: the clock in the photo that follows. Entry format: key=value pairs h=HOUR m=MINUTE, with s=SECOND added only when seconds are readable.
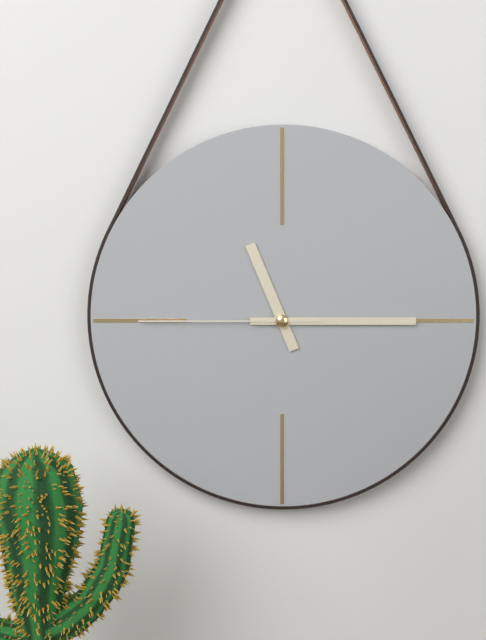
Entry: h=11 m=15 s=45
